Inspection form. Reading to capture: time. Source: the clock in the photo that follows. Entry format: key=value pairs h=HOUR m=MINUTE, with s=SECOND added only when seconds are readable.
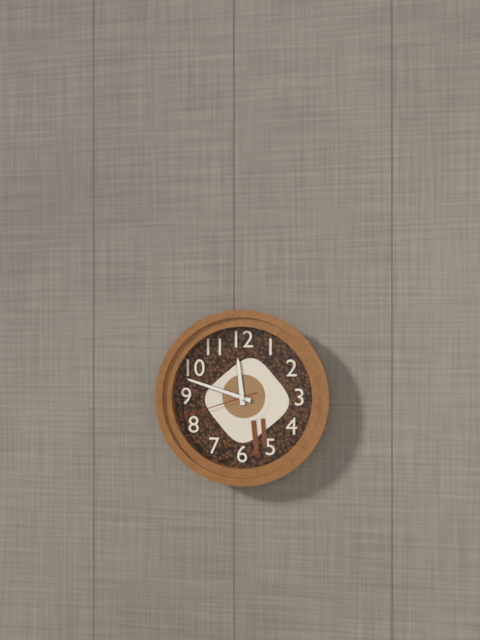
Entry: h=11 m=48 s=42
